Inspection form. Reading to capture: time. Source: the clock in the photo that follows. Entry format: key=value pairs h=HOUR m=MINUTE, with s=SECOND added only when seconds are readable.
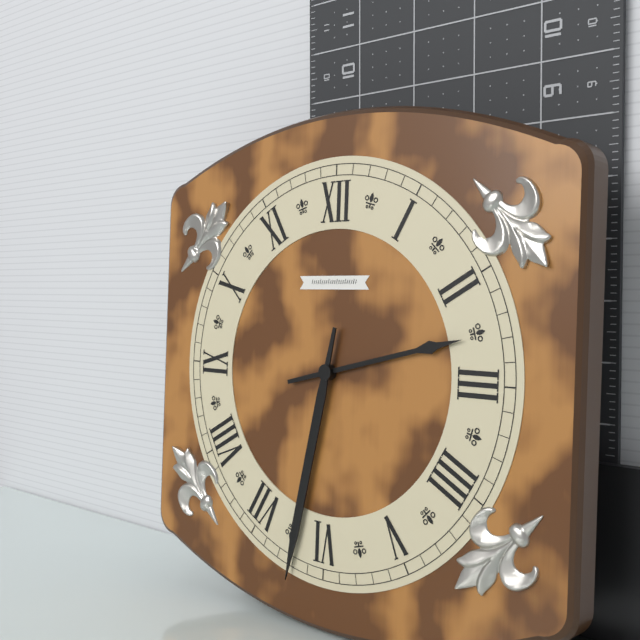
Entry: h=2 m=32
